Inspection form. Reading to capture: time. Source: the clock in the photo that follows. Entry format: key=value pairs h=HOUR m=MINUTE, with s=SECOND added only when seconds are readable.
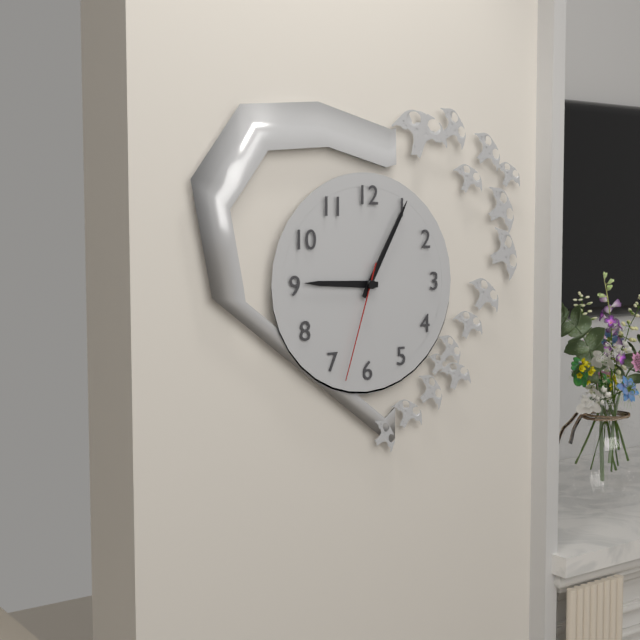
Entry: h=9 m=5 s=33
